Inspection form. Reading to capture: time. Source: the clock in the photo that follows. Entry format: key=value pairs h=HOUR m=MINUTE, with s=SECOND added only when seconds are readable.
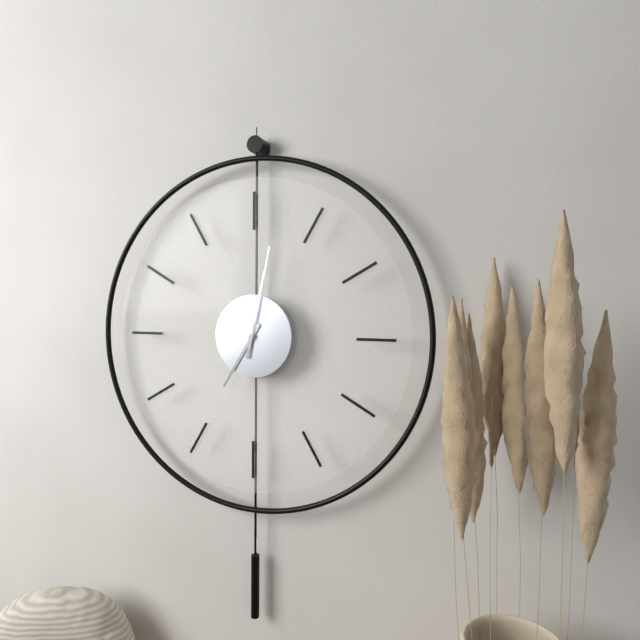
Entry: h=7 m=2
